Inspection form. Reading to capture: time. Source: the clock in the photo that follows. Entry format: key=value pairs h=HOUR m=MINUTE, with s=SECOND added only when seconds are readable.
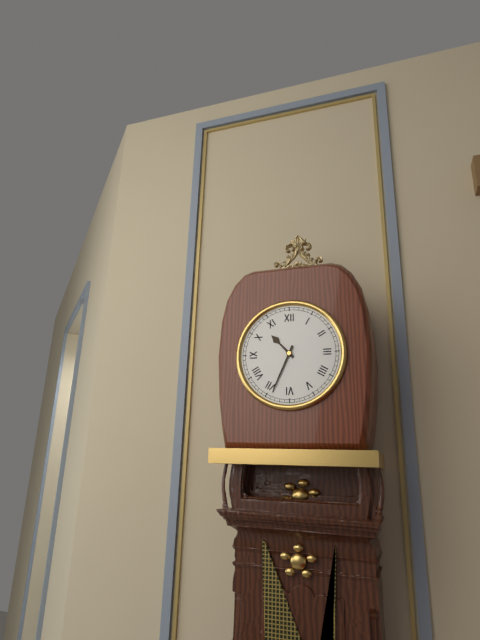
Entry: h=10 m=34
